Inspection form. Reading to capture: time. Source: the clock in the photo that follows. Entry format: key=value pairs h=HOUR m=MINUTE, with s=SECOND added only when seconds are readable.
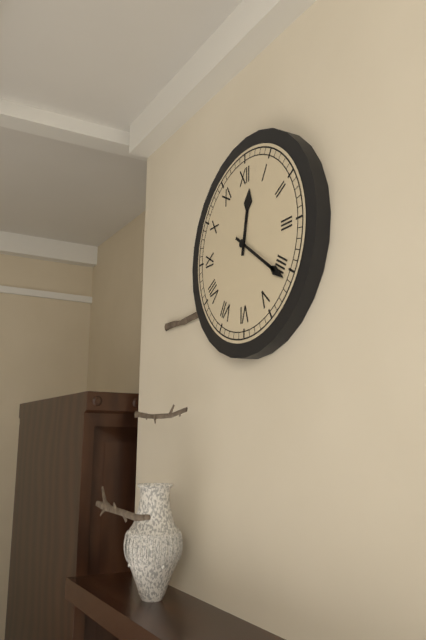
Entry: h=12 m=21
